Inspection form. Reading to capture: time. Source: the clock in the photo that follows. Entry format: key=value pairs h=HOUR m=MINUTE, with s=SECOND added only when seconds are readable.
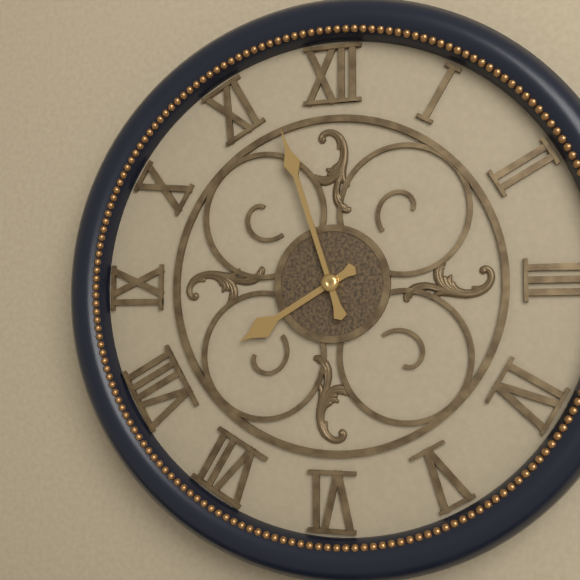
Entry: h=7 m=57
